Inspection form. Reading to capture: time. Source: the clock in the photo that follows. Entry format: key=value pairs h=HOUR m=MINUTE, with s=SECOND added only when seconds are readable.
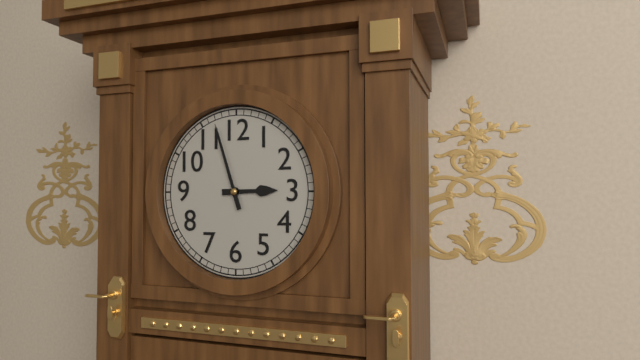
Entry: h=2 m=57
